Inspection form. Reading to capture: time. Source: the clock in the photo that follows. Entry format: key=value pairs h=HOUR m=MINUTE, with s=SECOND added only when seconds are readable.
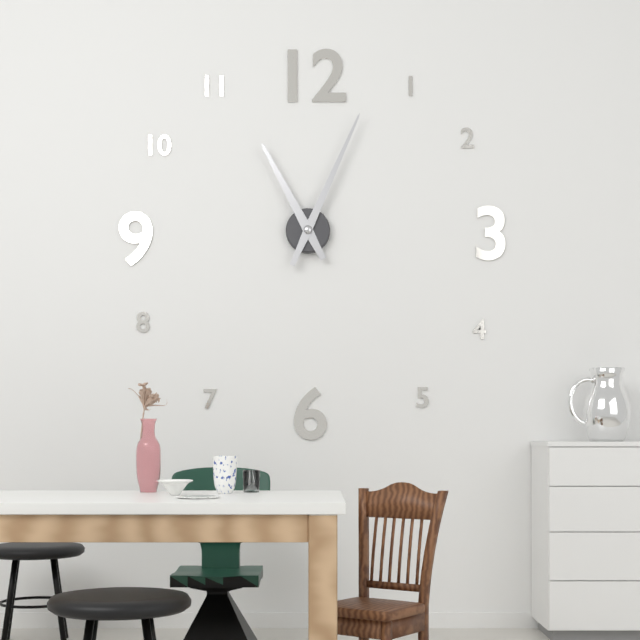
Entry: h=11 m=4
